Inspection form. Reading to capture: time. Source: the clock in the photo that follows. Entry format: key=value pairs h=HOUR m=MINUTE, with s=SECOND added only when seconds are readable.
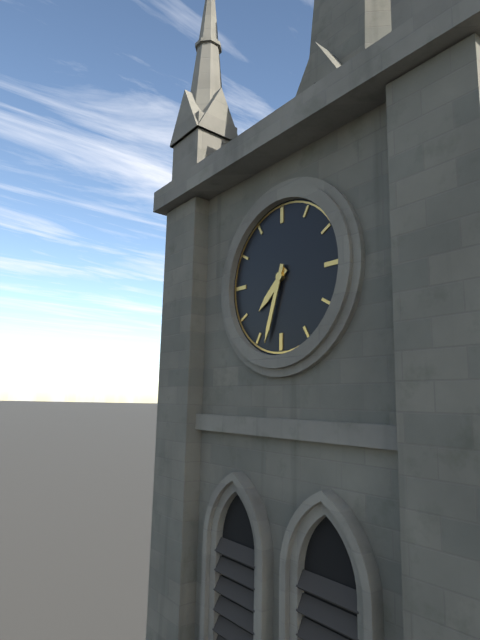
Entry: h=7 m=33
